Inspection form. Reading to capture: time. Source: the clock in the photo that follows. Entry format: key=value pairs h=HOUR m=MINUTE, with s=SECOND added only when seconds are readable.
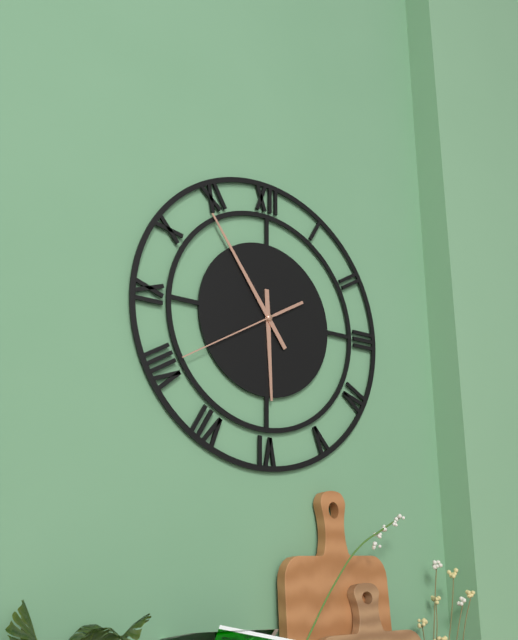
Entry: h=5 m=54 s=40
